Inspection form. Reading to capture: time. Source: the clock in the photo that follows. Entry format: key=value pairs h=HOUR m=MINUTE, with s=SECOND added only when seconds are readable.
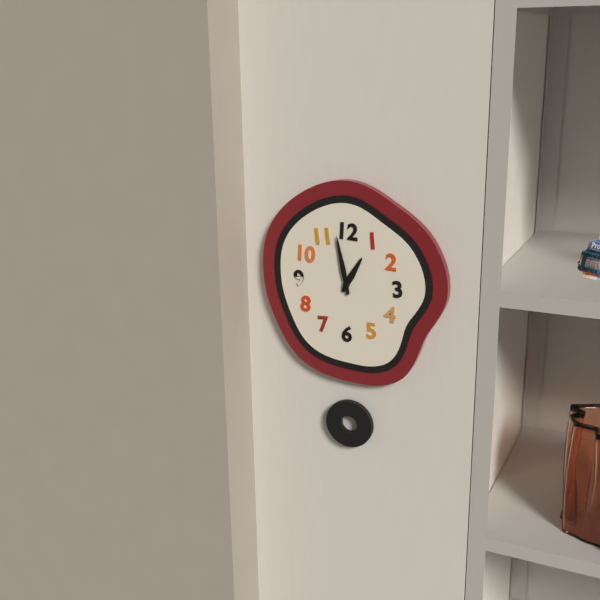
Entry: h=12 m=58
